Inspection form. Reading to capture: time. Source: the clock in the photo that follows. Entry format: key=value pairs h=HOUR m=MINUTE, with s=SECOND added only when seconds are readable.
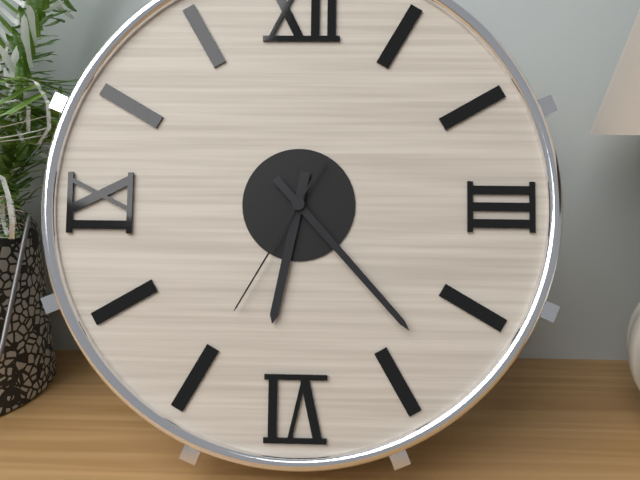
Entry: h=6 m=23 s=35
